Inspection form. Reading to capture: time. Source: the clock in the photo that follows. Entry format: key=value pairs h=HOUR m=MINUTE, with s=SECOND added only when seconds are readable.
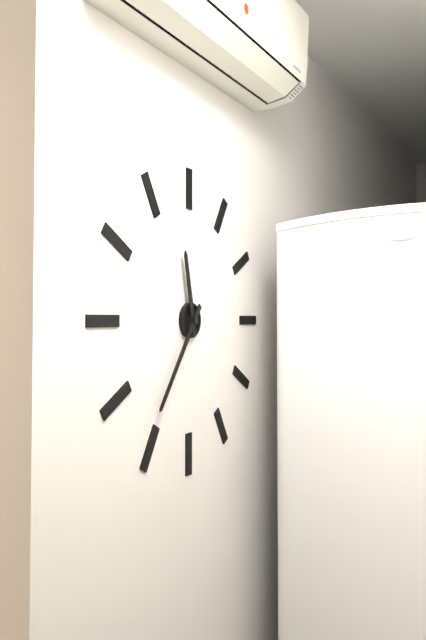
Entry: h=11 m=36
